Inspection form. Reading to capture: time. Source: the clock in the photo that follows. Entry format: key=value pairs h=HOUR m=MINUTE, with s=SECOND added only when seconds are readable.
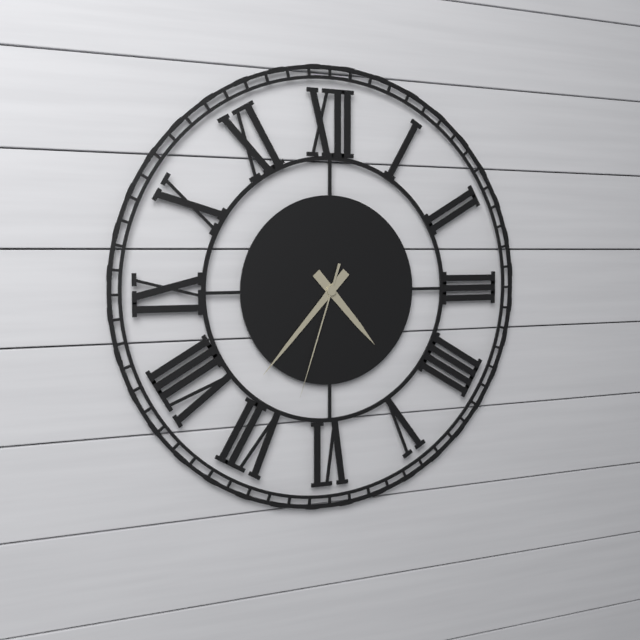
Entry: h=4 m=37 s=33
